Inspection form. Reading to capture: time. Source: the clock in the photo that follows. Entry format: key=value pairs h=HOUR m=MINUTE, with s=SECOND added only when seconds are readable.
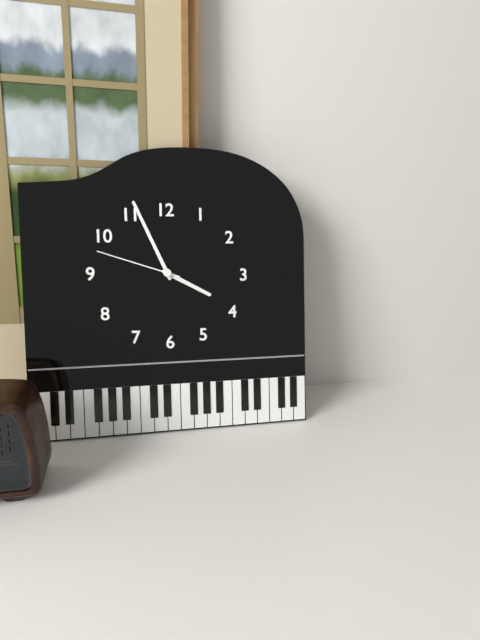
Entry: h=3 m=56 s=48
